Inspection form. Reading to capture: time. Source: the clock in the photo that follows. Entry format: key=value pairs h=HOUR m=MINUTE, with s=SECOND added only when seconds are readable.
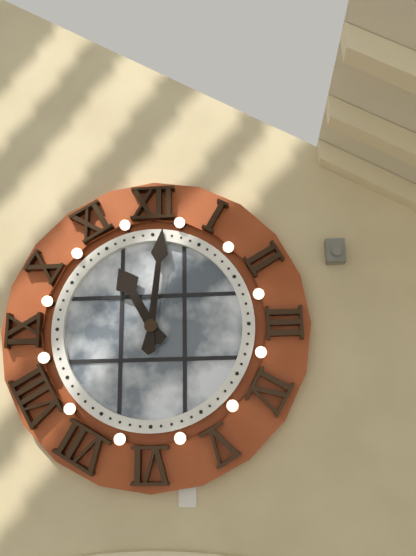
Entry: h=11 m=1
